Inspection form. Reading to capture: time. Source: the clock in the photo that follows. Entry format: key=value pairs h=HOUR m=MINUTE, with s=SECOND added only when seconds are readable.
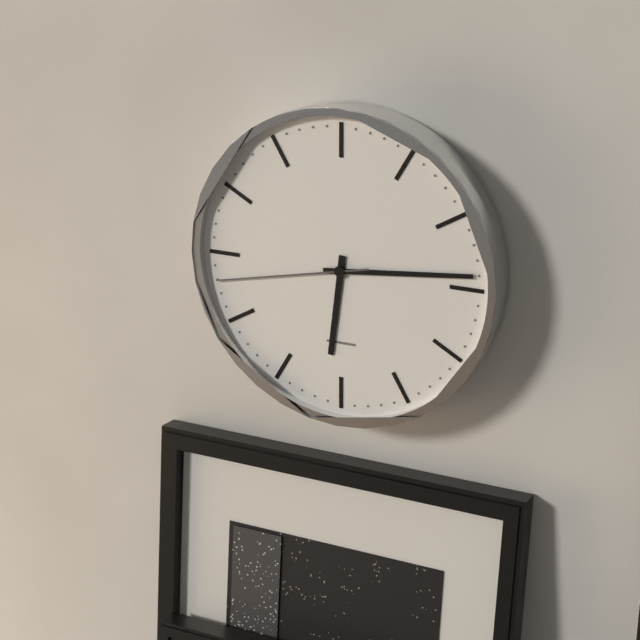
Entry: h=6 m=14 s=43
